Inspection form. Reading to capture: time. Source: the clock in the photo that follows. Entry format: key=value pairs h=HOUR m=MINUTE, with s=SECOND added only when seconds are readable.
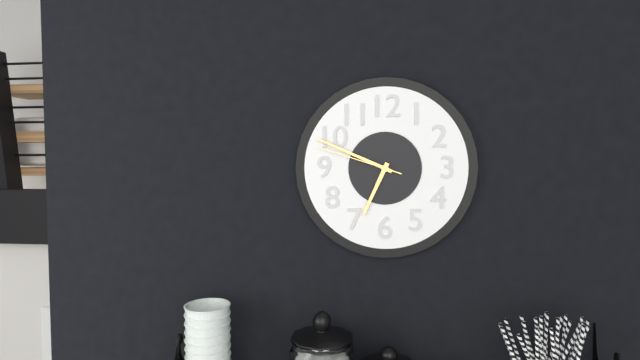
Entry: h=6 m=49 s=48
